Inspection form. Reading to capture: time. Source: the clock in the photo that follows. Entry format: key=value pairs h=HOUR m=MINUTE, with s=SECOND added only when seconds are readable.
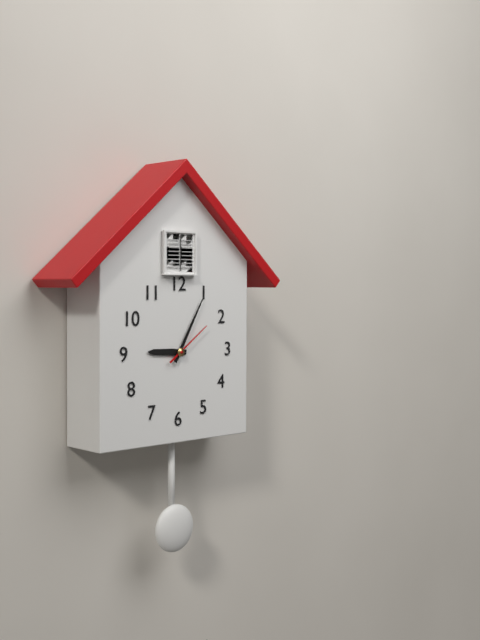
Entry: h=9 m=5
